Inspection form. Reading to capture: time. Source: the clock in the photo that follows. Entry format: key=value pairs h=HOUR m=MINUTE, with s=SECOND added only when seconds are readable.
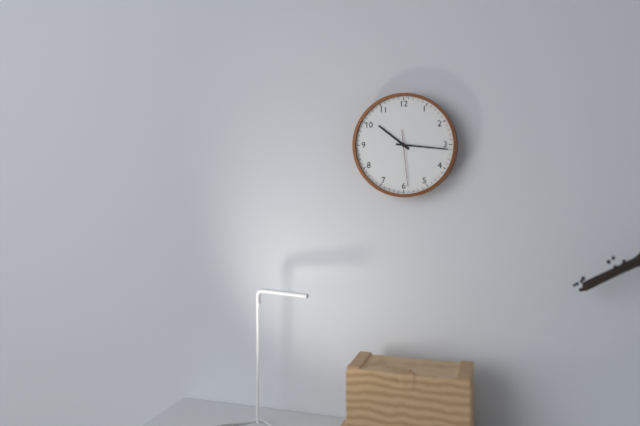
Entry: h=10 m=16 s=29
